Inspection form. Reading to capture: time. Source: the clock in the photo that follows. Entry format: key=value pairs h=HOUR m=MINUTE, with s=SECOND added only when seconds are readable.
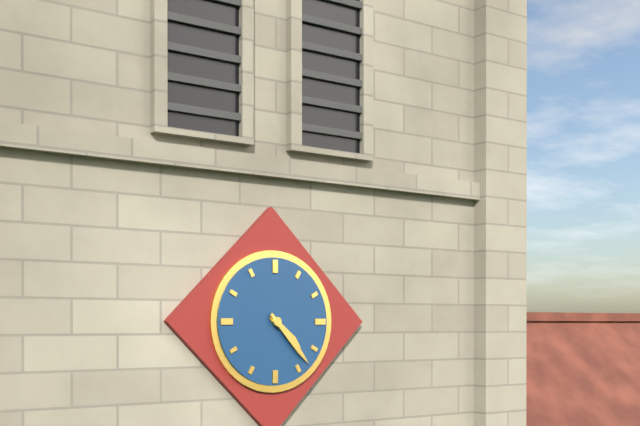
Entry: h=4 m=23
